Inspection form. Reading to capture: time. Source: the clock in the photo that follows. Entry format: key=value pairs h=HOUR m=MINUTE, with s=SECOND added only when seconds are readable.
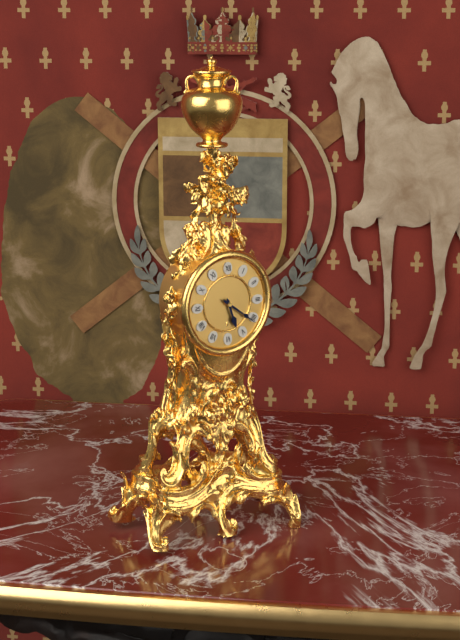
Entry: h=5 m=21
